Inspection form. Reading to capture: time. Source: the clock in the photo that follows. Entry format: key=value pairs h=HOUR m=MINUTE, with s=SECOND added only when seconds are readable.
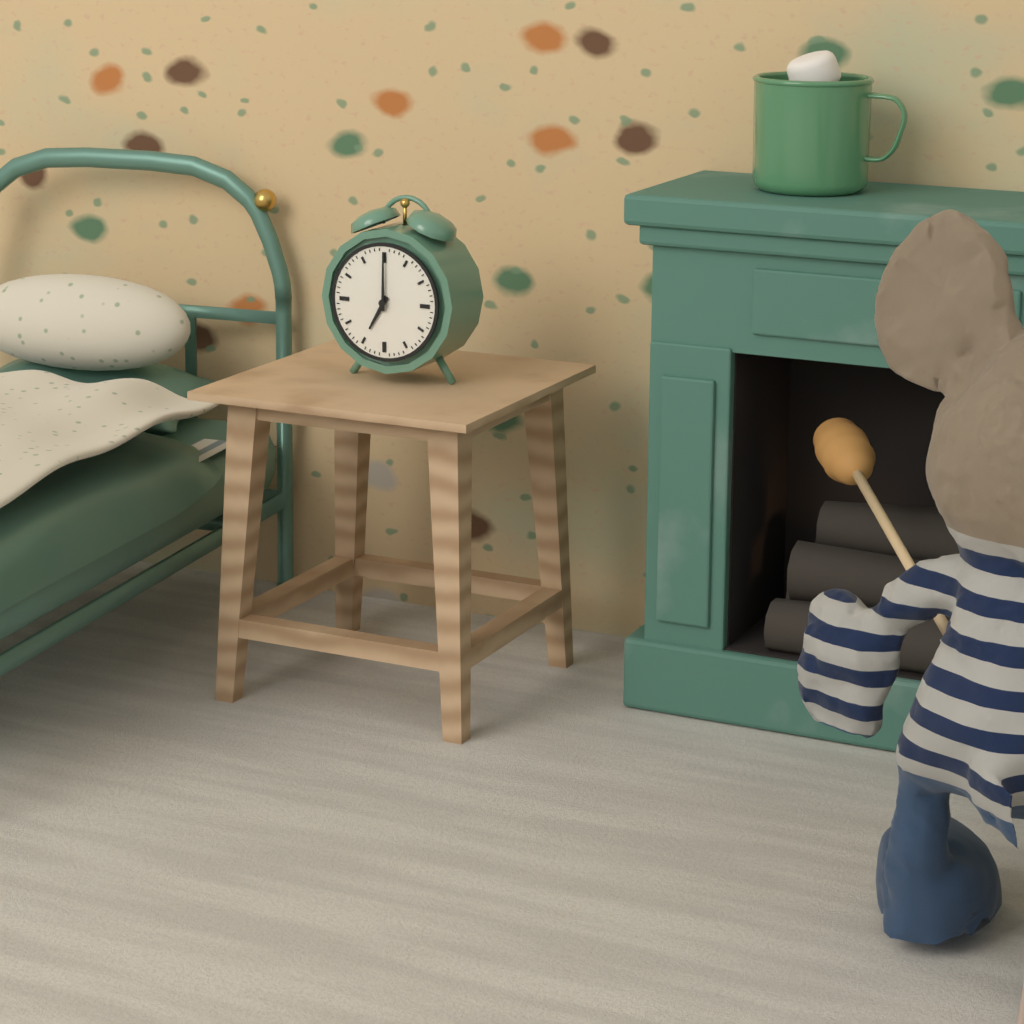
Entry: h=7 m=0
